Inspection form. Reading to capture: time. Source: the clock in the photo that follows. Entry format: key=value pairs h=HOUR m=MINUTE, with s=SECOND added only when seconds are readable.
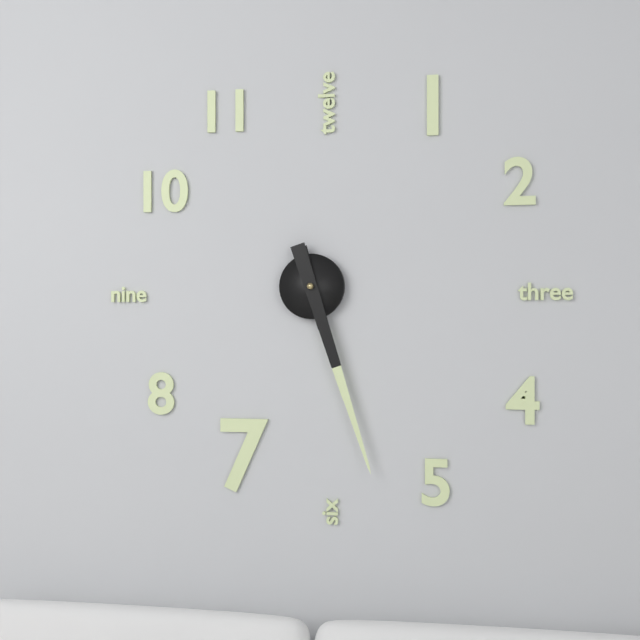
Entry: h=5 m=27
